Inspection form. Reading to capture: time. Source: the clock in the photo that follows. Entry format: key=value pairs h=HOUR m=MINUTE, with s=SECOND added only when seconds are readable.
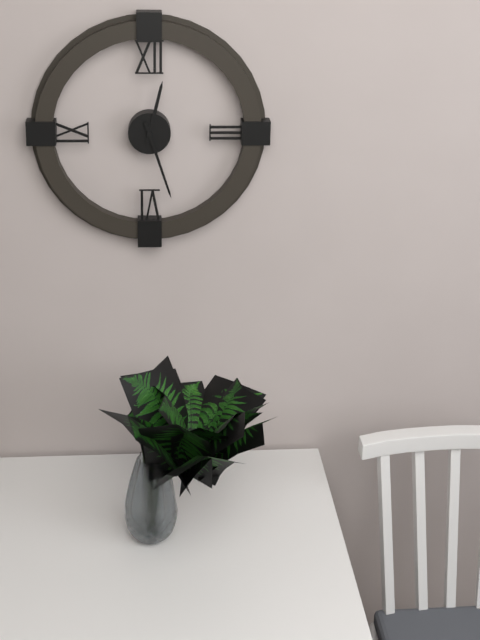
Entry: h=12 m=27
